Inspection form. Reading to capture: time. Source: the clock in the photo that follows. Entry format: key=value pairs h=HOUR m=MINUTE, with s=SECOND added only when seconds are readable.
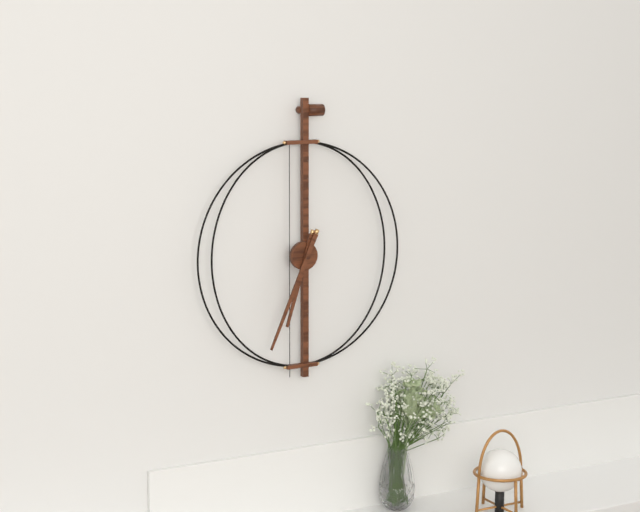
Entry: h=6 m=34
